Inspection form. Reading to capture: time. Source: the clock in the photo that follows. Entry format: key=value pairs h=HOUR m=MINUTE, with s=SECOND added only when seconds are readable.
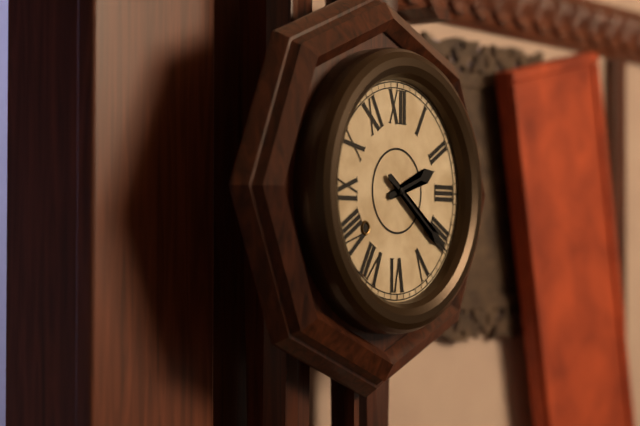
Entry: h=2 m=21
